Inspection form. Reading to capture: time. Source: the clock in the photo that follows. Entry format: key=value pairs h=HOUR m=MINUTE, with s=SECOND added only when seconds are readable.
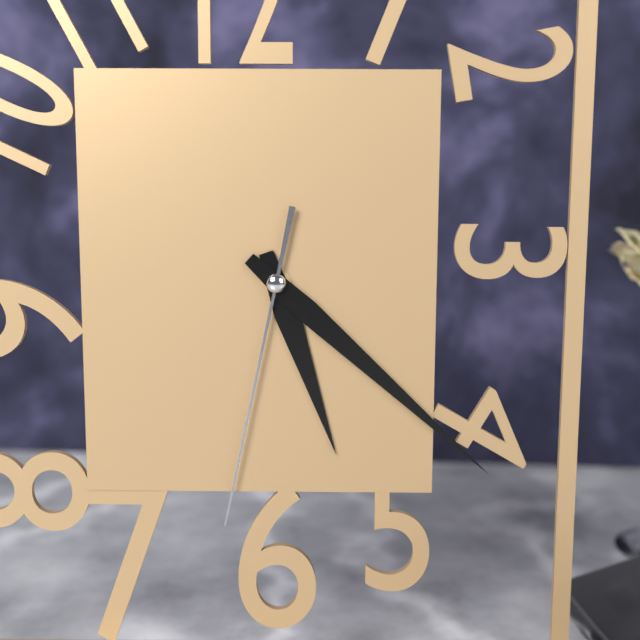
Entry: h=5 m=22 s=32
